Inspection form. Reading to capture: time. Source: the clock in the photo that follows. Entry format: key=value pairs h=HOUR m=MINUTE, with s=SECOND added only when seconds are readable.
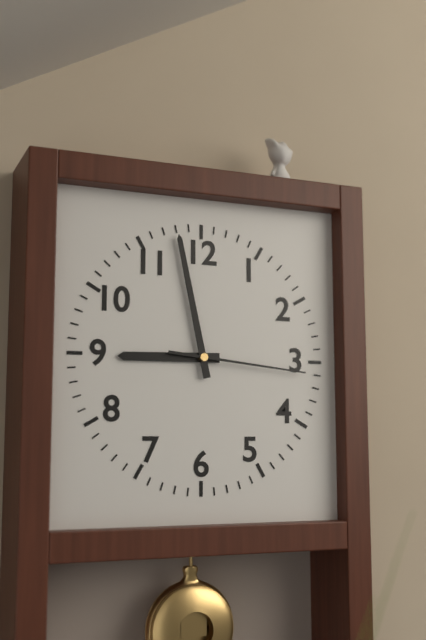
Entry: h=8 m=58 s=16
